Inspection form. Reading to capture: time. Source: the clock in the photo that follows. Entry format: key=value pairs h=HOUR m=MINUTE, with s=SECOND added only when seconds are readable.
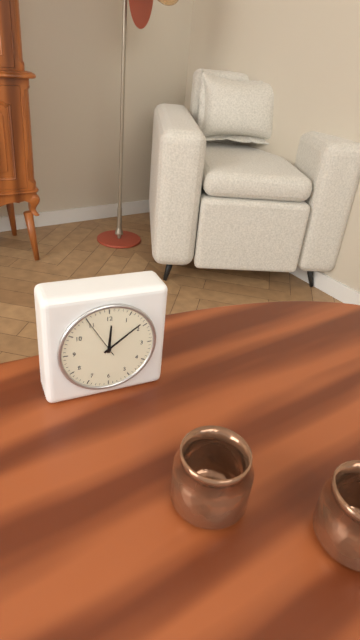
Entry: h=12 m=9
